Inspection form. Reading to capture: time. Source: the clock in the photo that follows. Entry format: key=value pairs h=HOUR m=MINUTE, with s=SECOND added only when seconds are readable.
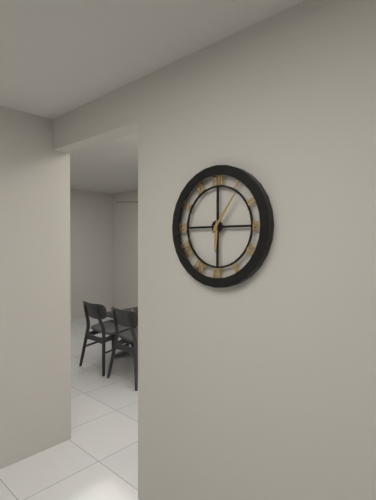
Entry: h=6 m=6
